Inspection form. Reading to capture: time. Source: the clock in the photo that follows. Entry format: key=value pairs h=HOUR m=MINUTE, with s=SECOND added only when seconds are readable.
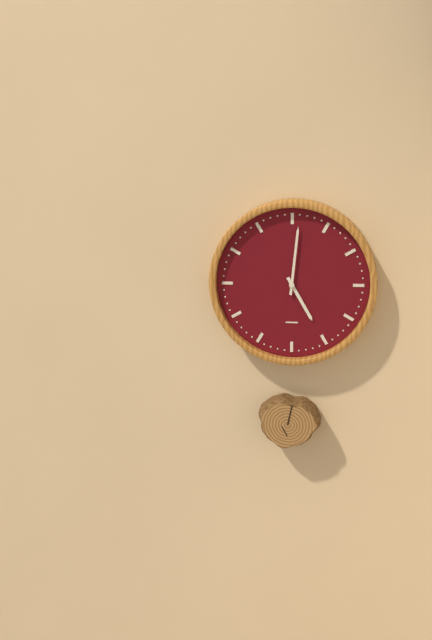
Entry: h=5 m=1
